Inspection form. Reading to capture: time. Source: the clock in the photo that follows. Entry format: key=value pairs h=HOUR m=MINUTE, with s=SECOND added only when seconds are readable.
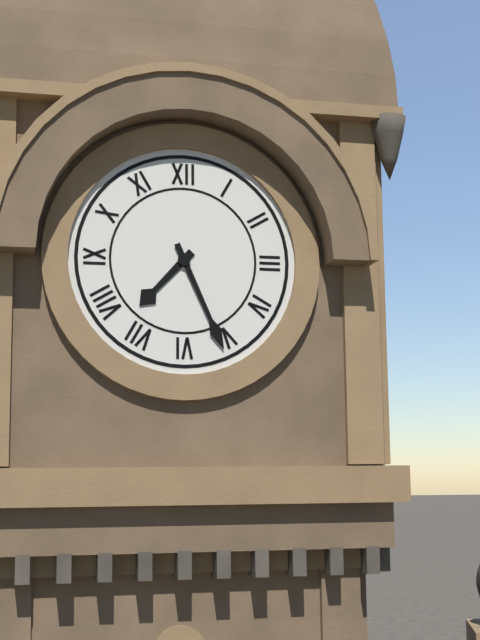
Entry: h=7 m=26
